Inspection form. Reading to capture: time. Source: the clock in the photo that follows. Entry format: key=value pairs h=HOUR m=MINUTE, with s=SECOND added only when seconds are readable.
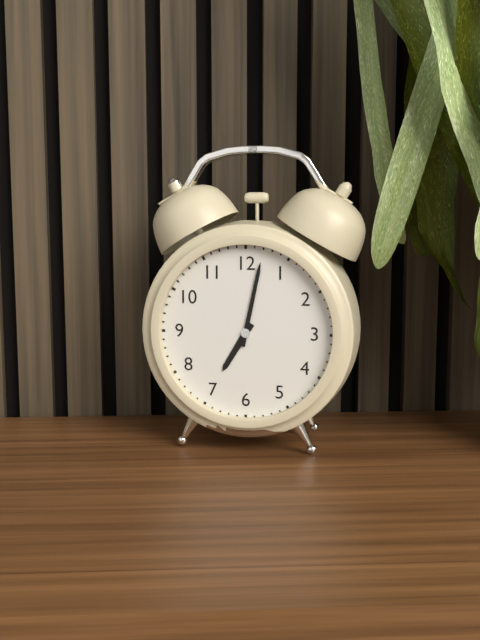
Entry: h=7 m=2
